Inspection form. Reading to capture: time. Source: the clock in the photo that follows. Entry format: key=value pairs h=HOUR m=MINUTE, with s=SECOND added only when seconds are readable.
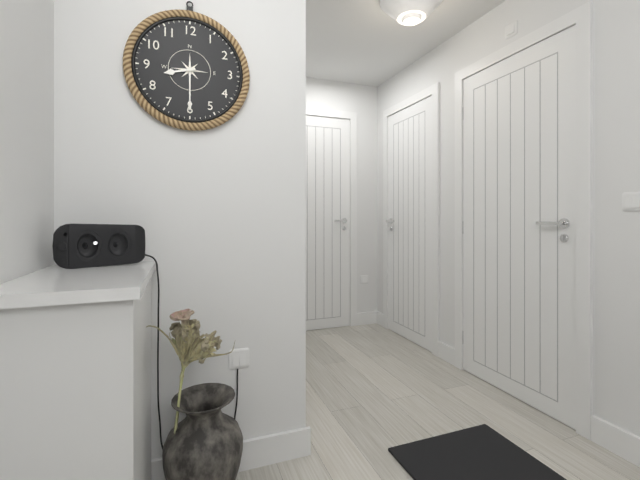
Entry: h=8 m=30
